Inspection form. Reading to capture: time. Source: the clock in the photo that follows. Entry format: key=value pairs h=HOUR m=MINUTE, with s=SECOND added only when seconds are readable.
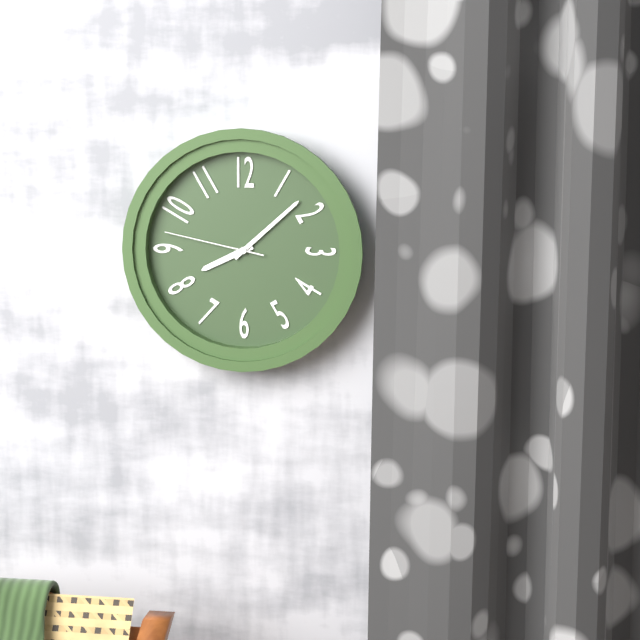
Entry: h=8 m=8 s=47
